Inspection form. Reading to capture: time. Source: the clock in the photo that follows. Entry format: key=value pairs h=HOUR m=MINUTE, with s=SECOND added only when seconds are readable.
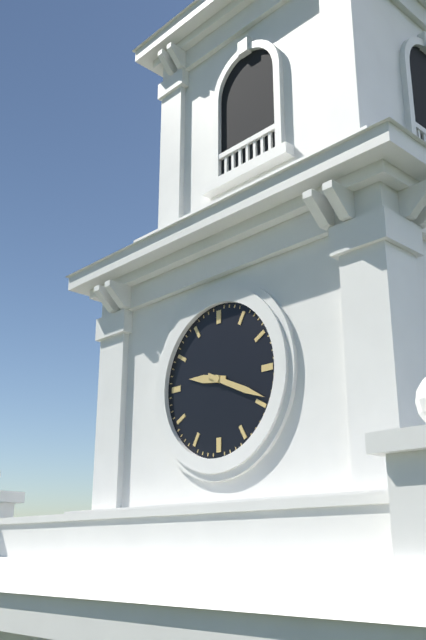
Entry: h=9 m=19
